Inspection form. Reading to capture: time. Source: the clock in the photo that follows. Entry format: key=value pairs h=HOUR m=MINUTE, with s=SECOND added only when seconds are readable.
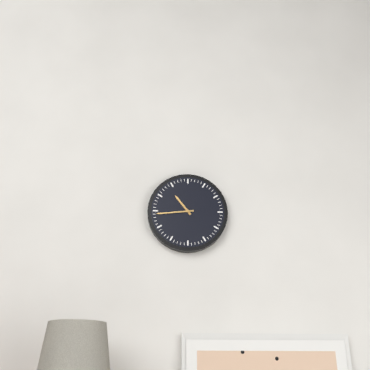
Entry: h=10 m=44
